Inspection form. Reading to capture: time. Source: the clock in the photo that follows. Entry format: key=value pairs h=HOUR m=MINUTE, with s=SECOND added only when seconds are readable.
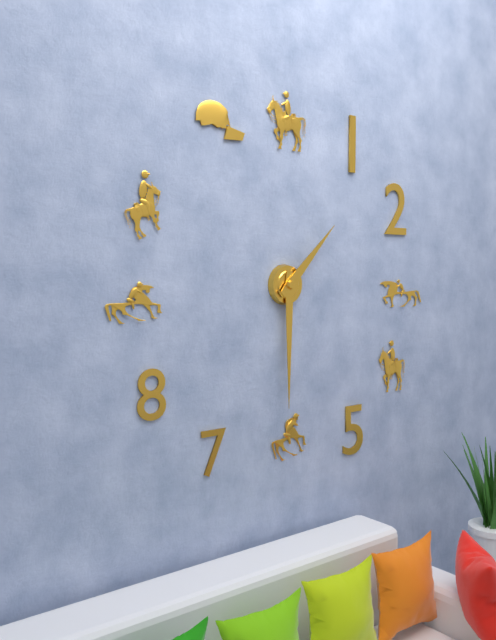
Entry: h=1 m=30
